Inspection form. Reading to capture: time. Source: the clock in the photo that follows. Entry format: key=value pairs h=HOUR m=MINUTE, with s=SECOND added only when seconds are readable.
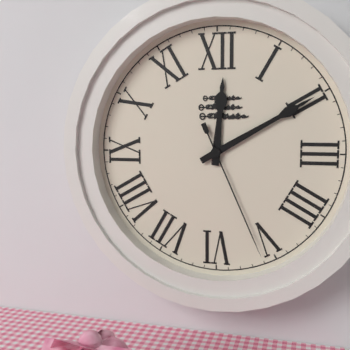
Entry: h=12 m=10 s=26
